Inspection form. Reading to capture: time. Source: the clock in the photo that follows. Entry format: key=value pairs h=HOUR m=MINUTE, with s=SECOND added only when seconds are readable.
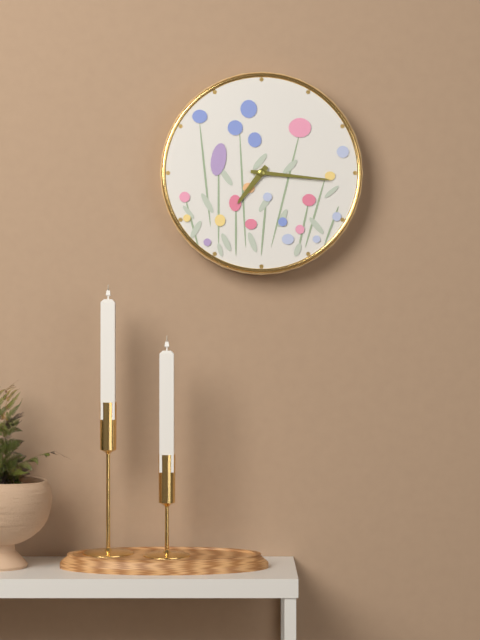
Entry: h=7 m=16
